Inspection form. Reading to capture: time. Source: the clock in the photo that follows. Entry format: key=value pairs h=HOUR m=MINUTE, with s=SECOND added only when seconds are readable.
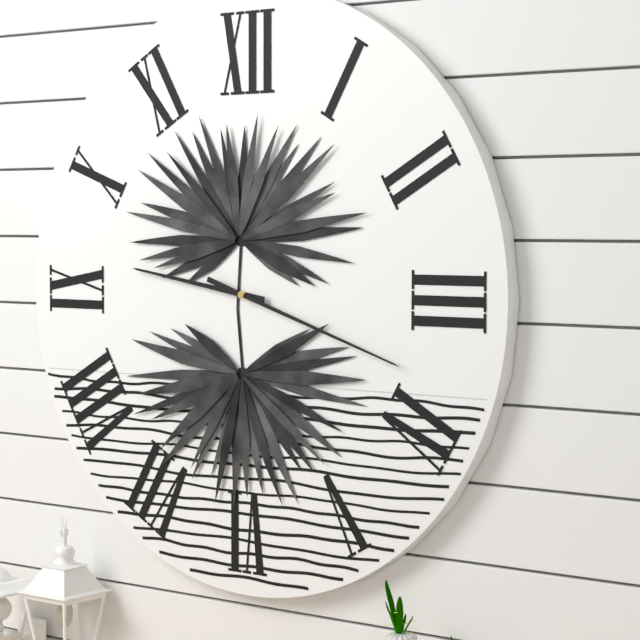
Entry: h=9 m=18
